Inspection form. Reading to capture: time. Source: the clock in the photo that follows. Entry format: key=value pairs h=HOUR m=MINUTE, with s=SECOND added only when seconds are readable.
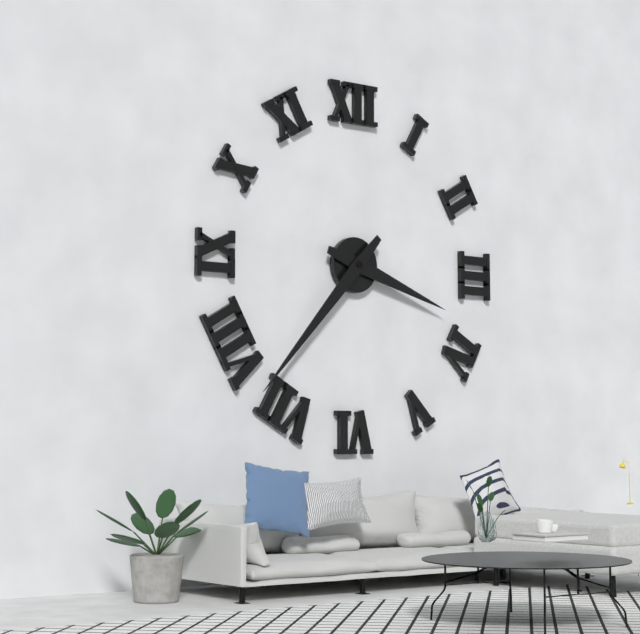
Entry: h=3 m=37
